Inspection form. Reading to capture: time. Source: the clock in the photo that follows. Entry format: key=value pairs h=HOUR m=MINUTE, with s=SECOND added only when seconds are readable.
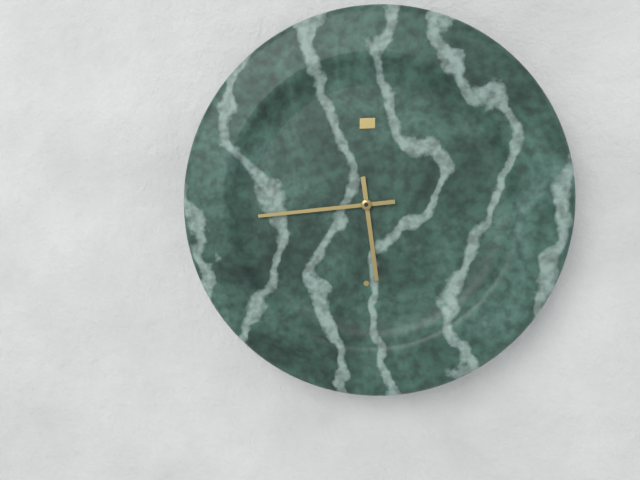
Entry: h=5 m=44
